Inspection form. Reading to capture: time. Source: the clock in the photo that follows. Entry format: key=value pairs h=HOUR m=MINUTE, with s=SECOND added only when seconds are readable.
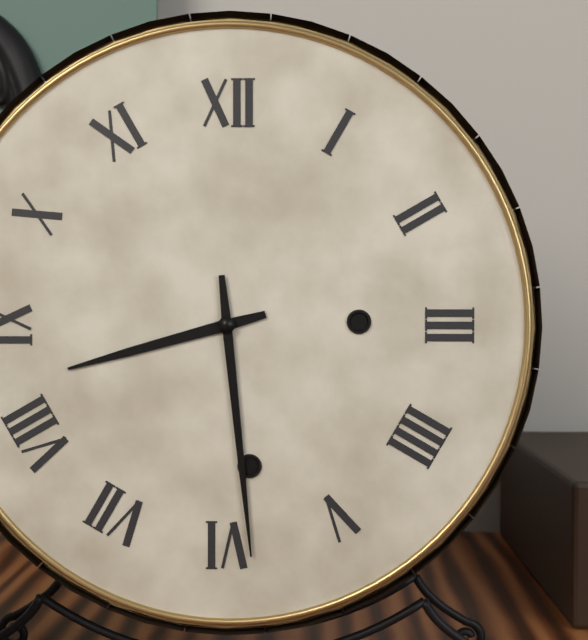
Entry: h=8 m=29
